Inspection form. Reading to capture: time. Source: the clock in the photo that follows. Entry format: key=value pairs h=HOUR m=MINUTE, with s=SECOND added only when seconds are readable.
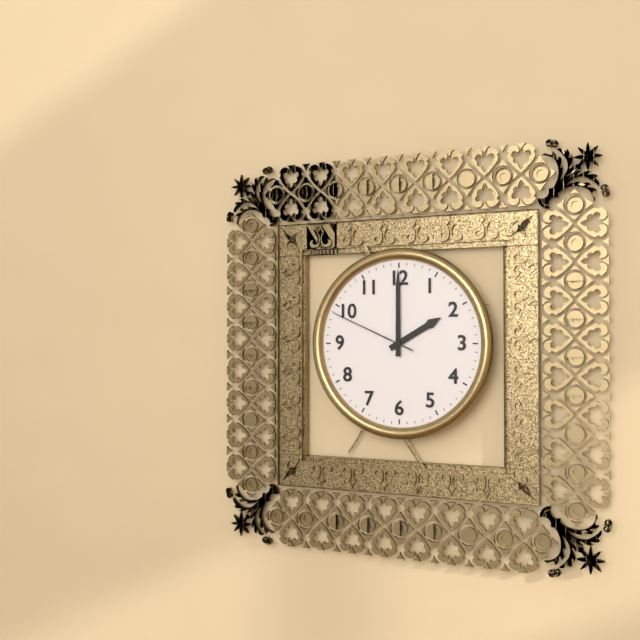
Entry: h=2 m=0 s=49
